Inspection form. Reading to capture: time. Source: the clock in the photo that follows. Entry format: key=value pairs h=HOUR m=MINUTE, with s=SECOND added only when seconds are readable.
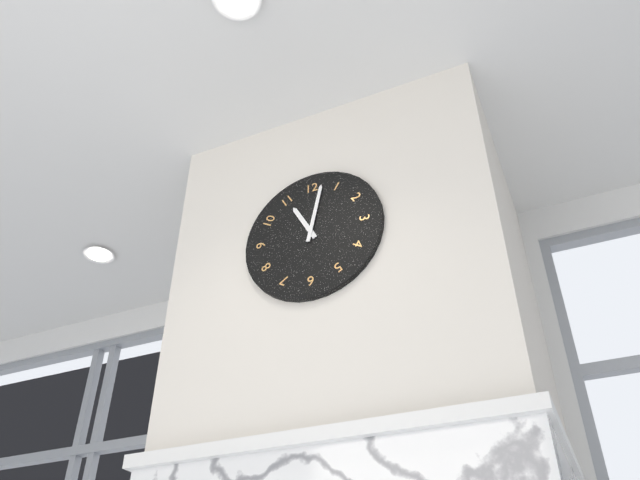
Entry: h=11 m=2
